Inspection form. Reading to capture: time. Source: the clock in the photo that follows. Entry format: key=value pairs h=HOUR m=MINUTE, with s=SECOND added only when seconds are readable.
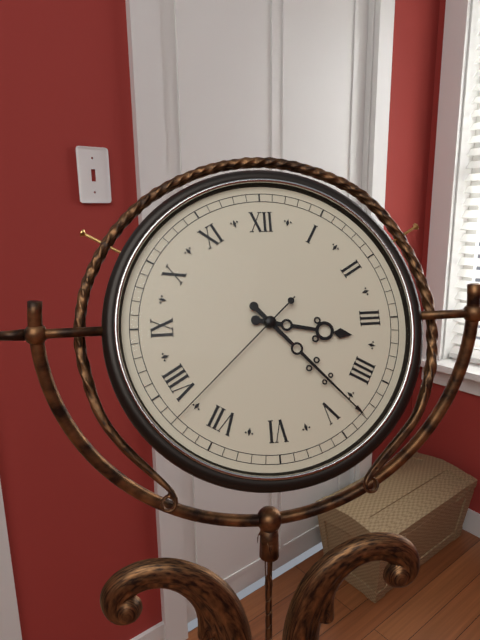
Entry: h=3 m=23 s=38
